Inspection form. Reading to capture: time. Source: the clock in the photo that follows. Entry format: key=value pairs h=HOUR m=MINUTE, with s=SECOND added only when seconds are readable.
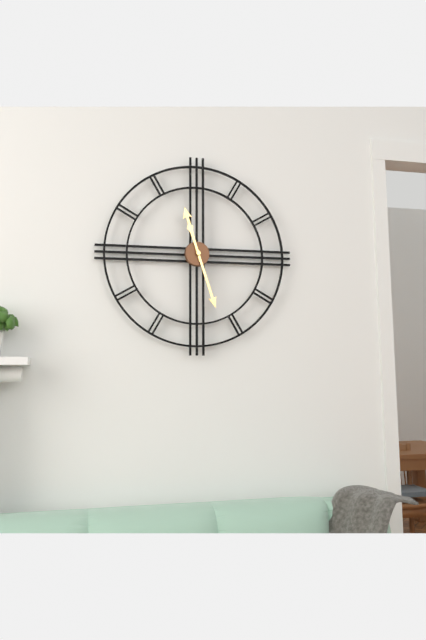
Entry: h=11 m=27
